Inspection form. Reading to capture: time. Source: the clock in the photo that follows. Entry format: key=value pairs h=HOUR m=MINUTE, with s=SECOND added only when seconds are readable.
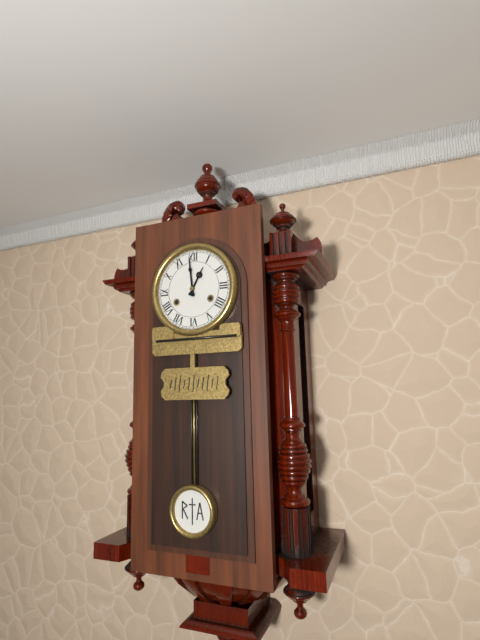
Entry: h=12 m=59
